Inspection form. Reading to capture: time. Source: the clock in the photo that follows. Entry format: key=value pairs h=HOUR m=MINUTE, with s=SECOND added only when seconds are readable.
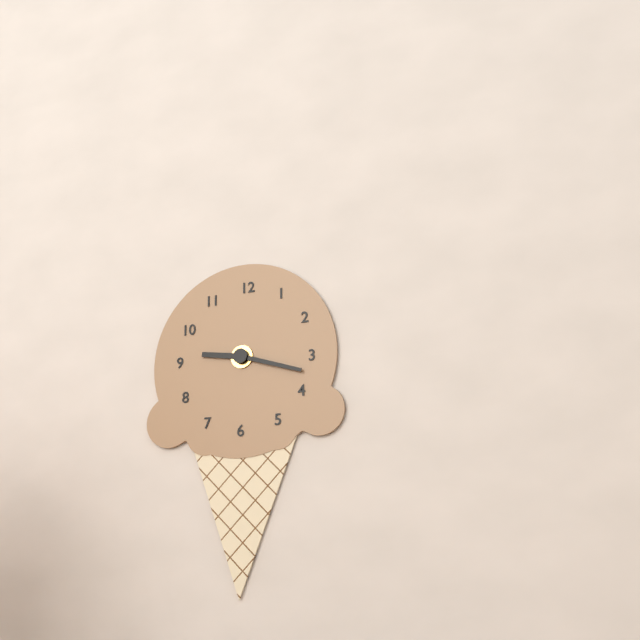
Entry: h=9 m=18
